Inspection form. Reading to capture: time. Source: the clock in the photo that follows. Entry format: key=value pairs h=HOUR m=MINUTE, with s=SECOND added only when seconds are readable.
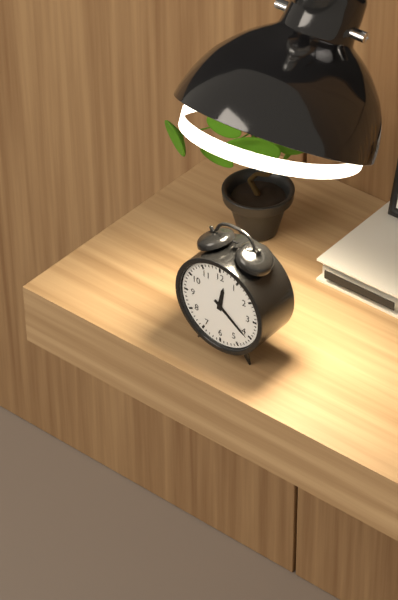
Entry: h=12 m=21
